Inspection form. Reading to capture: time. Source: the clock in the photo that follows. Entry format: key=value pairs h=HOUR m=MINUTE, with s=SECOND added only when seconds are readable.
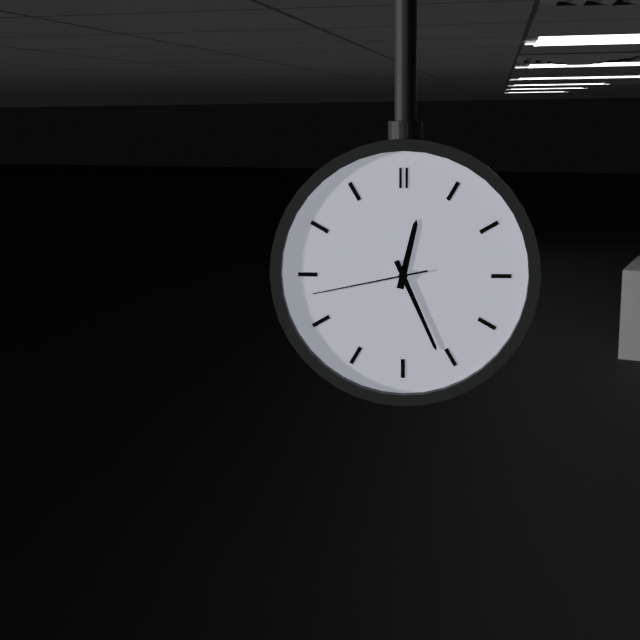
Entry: h=12 m=26 s=43
